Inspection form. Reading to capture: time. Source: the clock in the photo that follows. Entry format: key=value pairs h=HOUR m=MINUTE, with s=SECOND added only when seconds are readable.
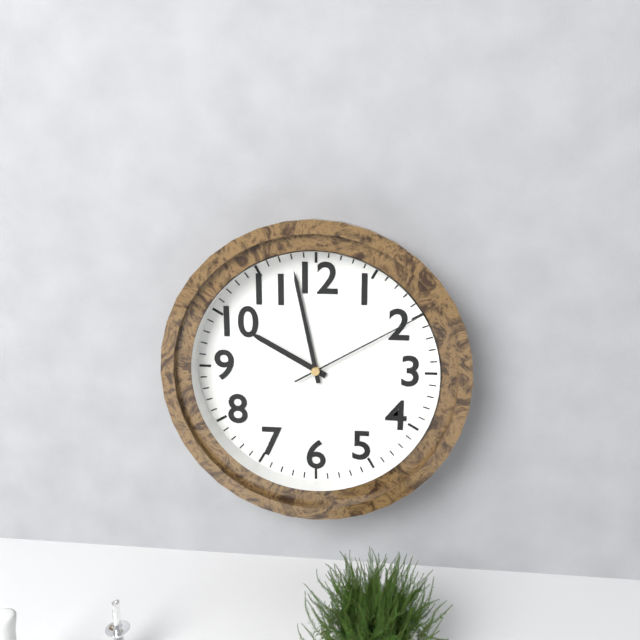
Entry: h=9 m=58 s=10
